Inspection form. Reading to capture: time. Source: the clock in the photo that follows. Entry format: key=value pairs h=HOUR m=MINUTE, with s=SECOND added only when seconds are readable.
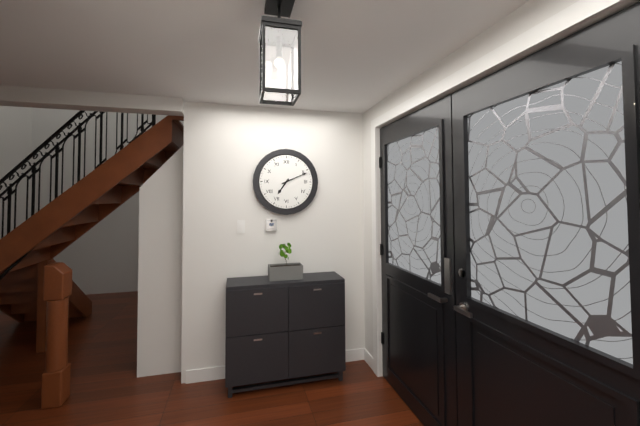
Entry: h=7 m=11
